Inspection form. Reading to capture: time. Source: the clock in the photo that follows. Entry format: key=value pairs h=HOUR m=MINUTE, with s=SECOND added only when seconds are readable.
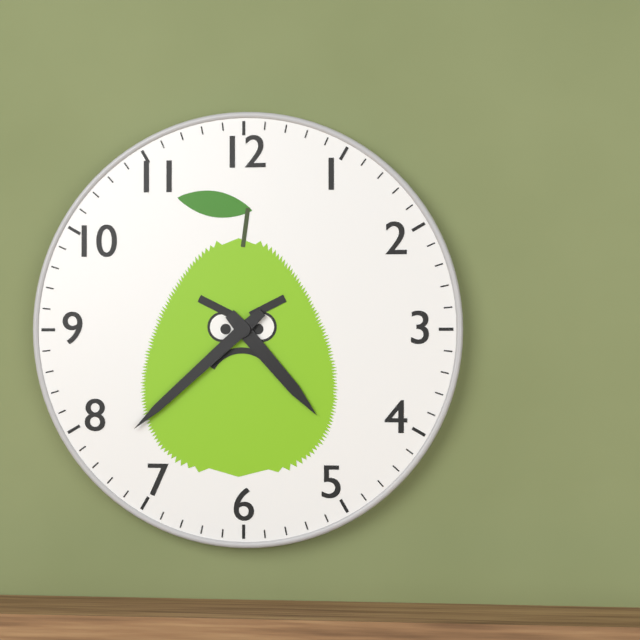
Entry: h=4 m=38
